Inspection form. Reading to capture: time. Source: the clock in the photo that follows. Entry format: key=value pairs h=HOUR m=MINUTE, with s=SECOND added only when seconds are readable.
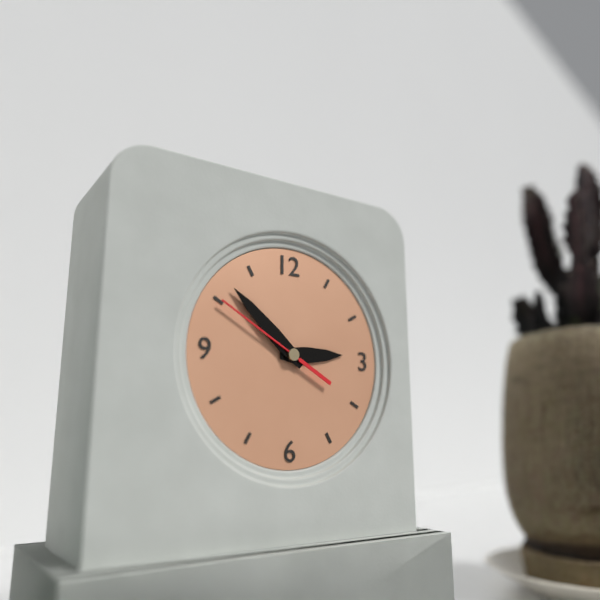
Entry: h=2 m=52 s=50
